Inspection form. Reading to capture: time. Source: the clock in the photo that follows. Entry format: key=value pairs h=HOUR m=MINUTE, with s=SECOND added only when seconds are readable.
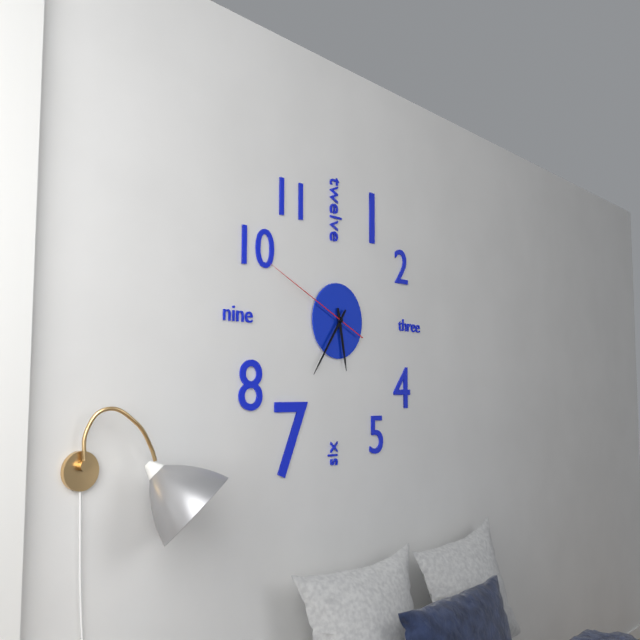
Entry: h=5 m=36 s=49
